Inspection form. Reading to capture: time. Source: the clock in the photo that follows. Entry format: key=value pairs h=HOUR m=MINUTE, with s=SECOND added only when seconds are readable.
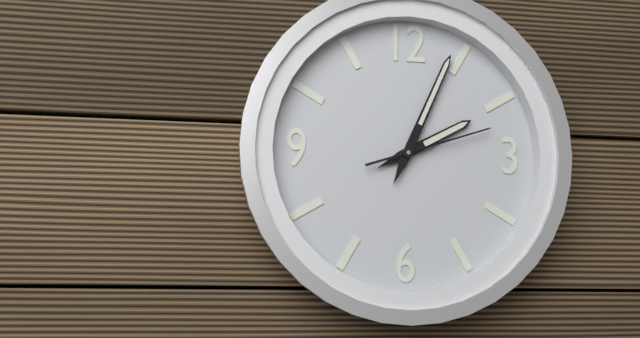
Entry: h=2 m=4 s=12
